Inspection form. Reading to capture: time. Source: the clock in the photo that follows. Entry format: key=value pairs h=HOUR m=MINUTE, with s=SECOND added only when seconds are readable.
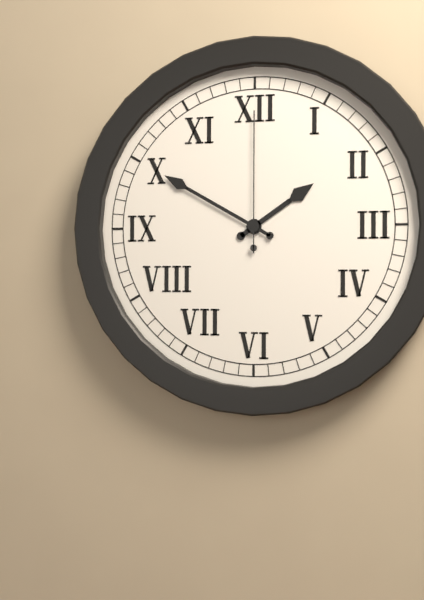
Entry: h=1 m=50 s=0
